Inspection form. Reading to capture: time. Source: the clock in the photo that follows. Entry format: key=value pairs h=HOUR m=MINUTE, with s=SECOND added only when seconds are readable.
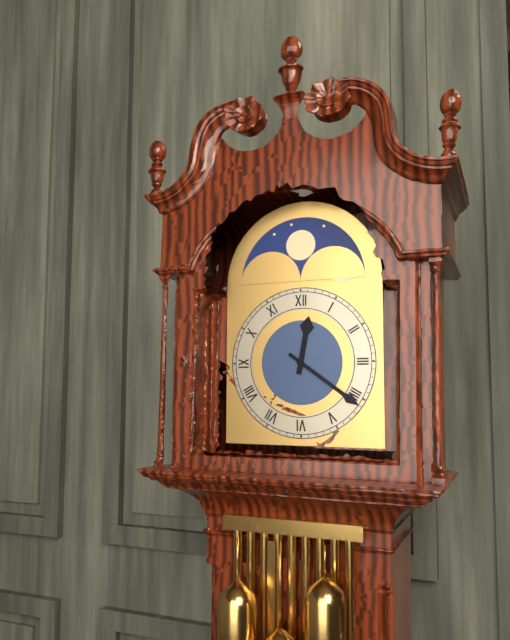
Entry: h=12 m=21
